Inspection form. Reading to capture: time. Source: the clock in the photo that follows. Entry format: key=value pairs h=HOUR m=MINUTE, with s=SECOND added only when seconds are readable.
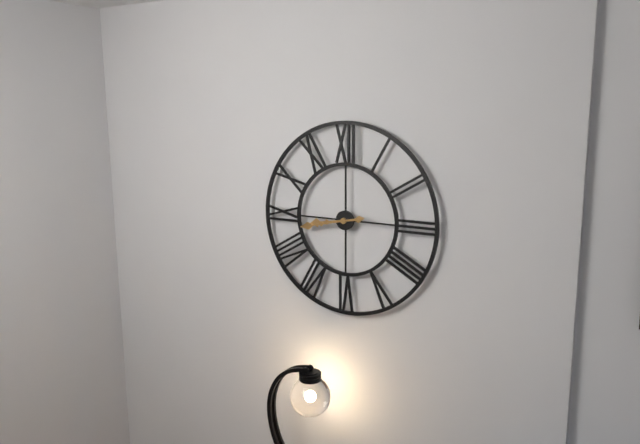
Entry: h=8 m=43
